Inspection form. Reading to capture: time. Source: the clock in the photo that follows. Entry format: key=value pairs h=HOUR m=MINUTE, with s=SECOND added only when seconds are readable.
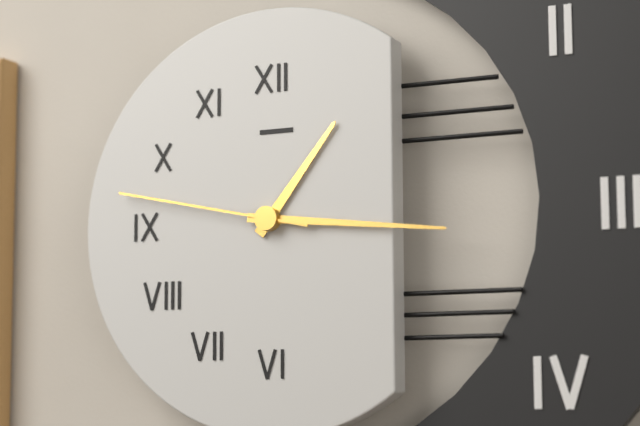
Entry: h=1 m=16 s=47
